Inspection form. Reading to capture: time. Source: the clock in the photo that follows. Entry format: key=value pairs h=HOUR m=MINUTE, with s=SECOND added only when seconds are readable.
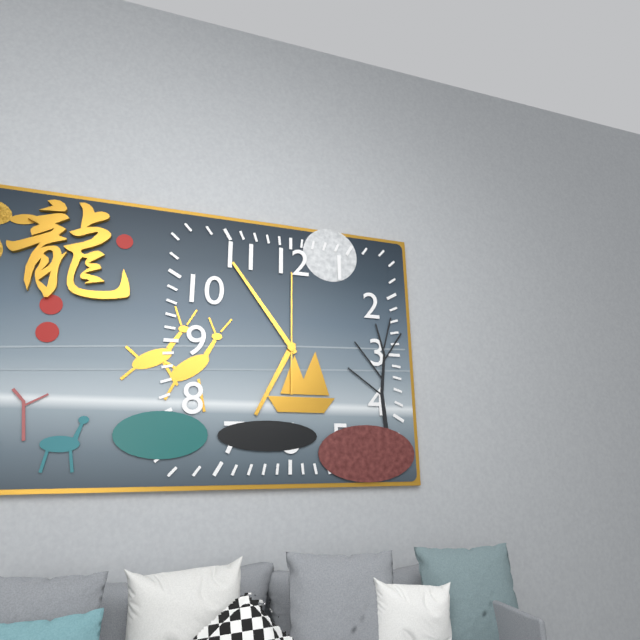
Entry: h=6 m=54 s=0
